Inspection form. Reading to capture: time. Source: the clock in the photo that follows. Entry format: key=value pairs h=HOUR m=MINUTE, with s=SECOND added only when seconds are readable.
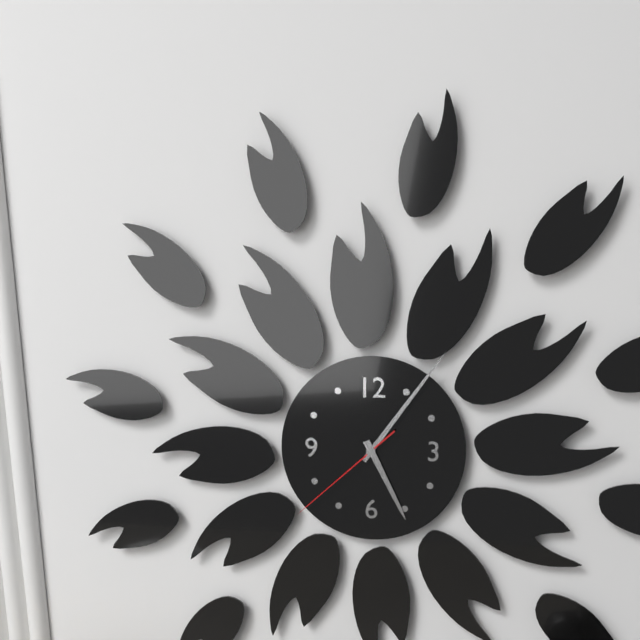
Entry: h=5 m=6 s=38
